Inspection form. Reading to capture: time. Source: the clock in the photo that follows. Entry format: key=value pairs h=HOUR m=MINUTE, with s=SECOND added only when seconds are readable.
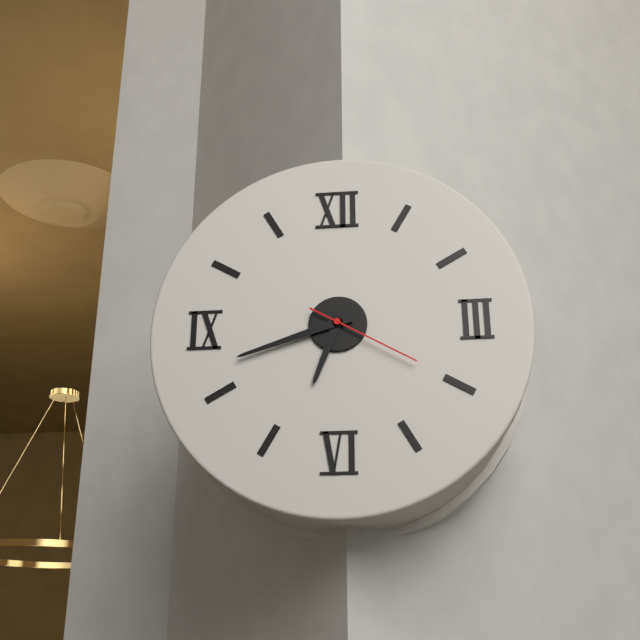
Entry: h=6 m=42 s=20
